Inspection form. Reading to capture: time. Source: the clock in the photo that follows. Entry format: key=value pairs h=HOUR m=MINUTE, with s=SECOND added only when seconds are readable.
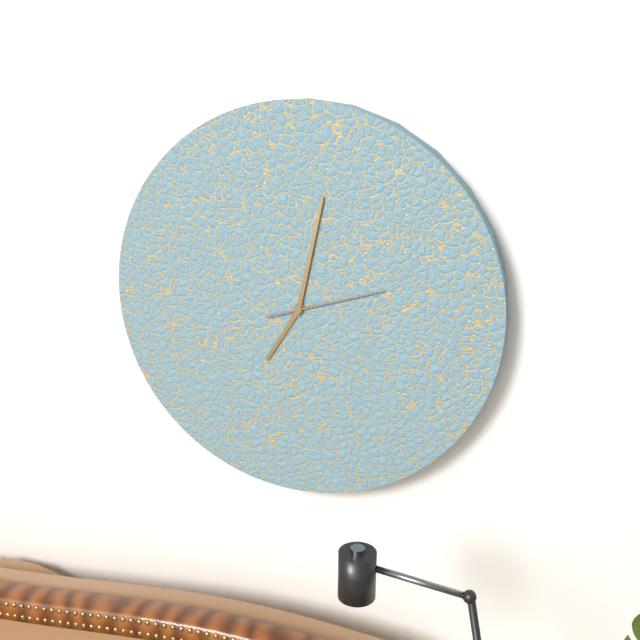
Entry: h=7 m=2 s=12
